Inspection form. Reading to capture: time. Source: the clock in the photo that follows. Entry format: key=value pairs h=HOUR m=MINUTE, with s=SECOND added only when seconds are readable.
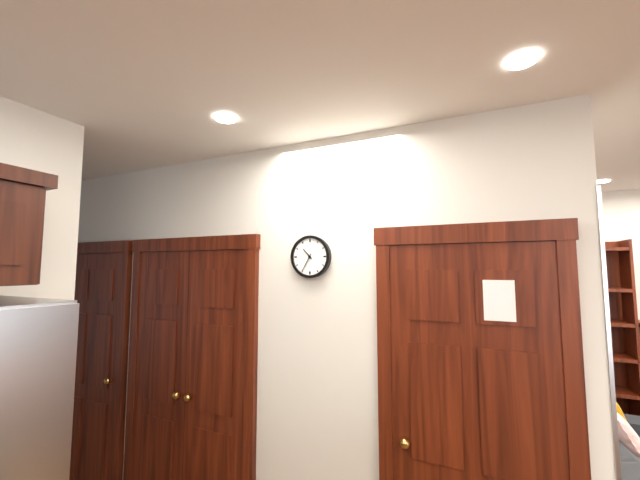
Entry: h=10 m=35
